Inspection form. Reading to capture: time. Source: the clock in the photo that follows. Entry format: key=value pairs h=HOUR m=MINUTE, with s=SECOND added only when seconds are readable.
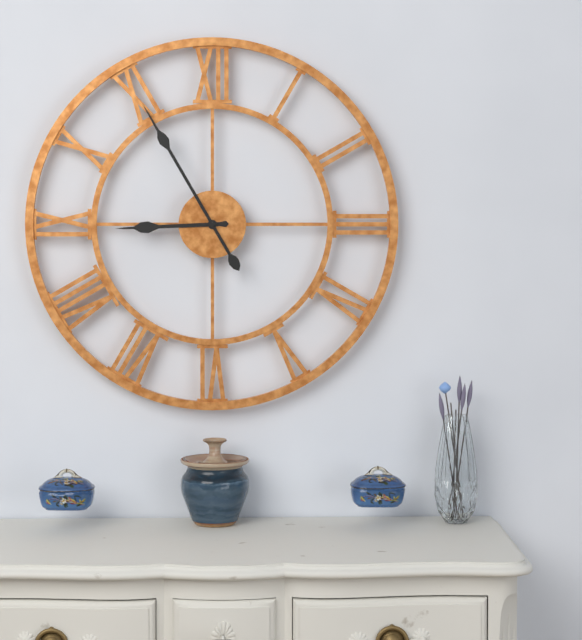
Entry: h=8 m=55
